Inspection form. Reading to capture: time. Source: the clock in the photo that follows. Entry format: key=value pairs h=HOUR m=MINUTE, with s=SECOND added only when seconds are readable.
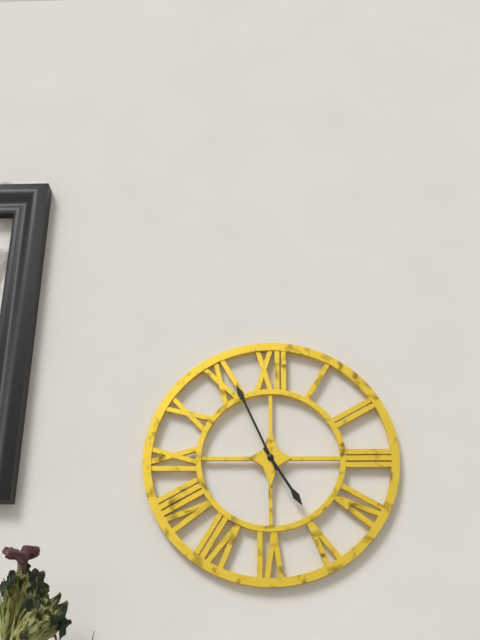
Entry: h=4 m=56
